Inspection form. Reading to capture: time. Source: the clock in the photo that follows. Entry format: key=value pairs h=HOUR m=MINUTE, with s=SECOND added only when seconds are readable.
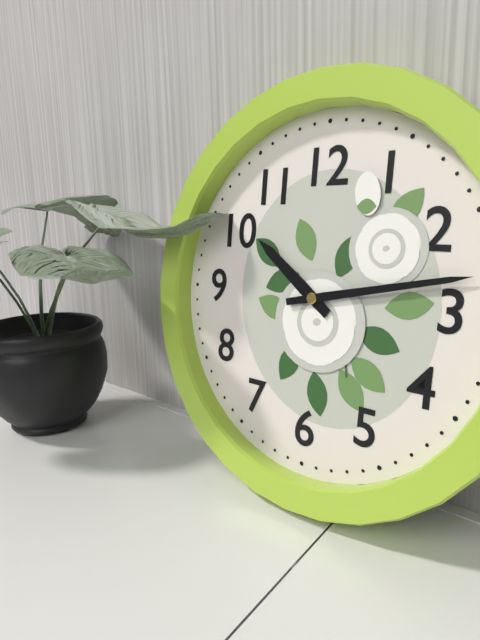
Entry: h=10 m=13
